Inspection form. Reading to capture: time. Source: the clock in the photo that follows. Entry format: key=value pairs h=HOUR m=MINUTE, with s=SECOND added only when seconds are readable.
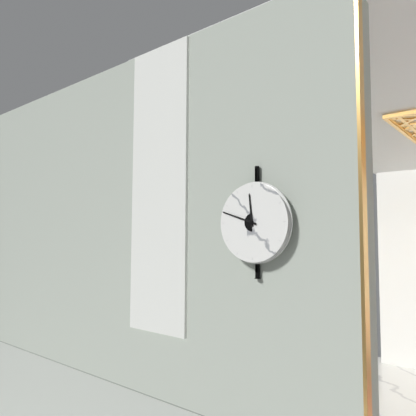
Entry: h=11 m=48
